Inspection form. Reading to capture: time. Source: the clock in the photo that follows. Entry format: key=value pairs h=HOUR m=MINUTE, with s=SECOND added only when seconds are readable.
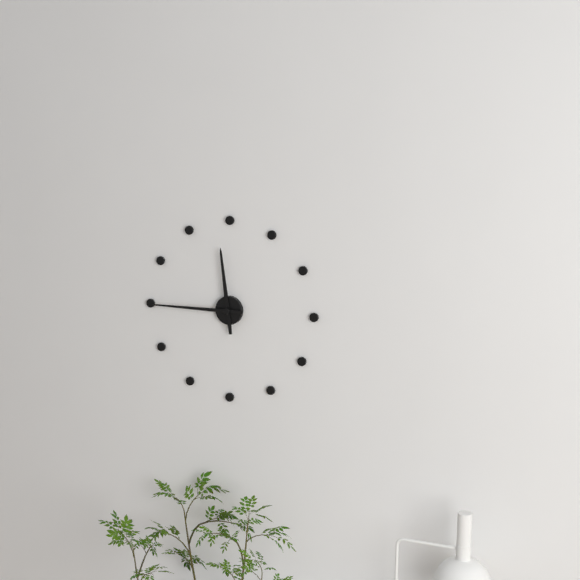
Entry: h=11 m=45
